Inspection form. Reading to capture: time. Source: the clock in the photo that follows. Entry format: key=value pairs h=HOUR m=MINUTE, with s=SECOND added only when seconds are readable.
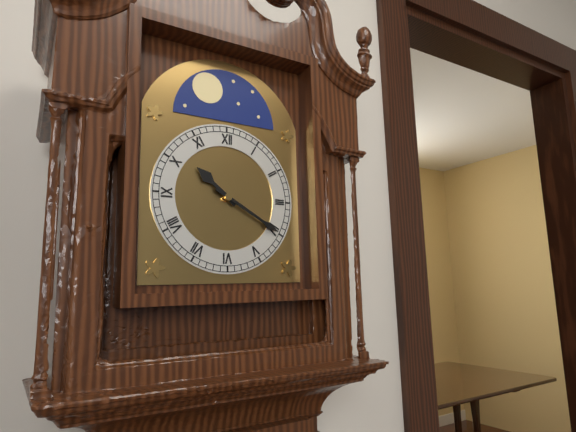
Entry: h=10 m=20
